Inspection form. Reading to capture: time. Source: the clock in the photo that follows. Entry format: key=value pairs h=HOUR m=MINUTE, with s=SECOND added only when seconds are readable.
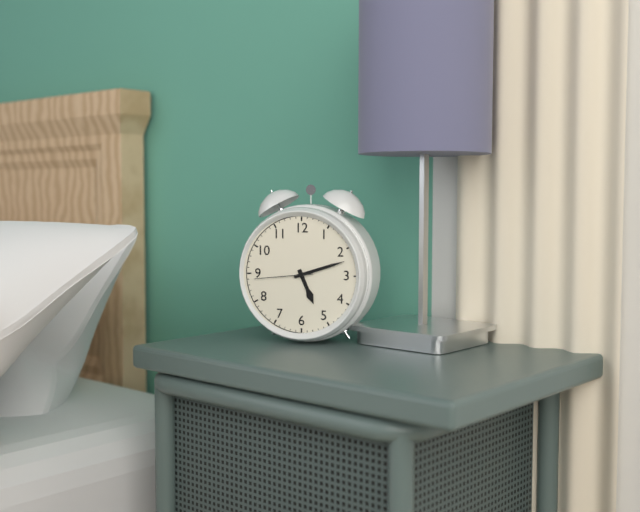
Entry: h=5 m=12 s=44
